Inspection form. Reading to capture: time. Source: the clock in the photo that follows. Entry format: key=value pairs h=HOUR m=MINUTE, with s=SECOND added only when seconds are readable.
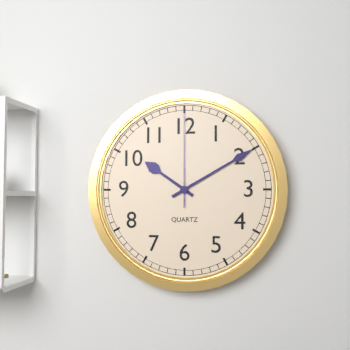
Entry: h=10 m=10 s=0
